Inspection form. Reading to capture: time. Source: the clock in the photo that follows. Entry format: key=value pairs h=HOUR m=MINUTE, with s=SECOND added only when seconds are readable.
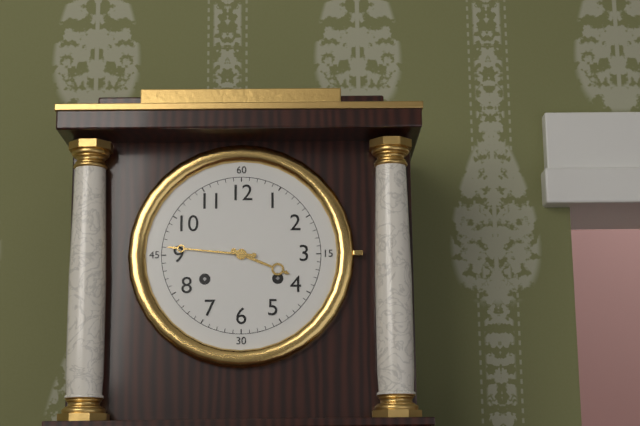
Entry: h=3 m=46
